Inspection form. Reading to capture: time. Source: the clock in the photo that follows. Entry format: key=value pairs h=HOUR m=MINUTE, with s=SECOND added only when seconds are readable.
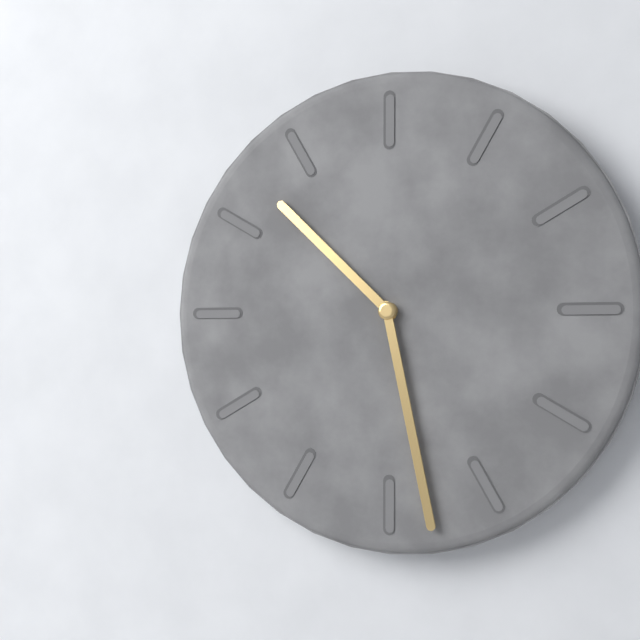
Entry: h=10 m=28
